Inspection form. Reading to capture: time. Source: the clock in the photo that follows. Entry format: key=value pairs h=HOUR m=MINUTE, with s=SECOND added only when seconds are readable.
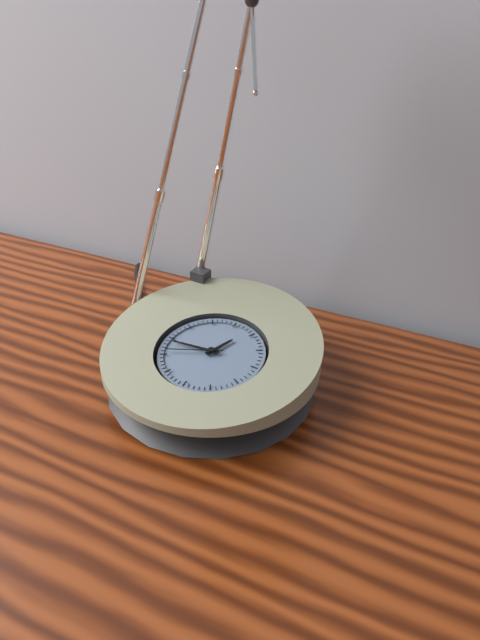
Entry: h=12 m=44 s=41
